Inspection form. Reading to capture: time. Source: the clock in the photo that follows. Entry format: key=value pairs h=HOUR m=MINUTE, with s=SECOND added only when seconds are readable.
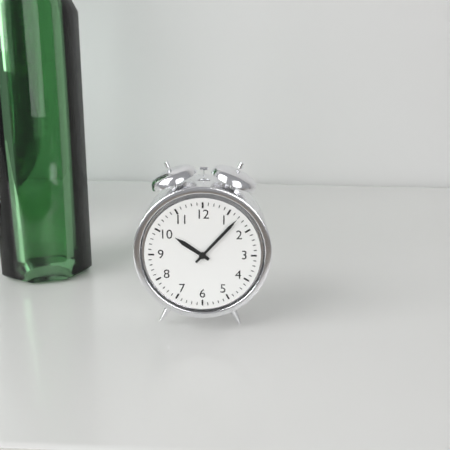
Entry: h=10 m=7
